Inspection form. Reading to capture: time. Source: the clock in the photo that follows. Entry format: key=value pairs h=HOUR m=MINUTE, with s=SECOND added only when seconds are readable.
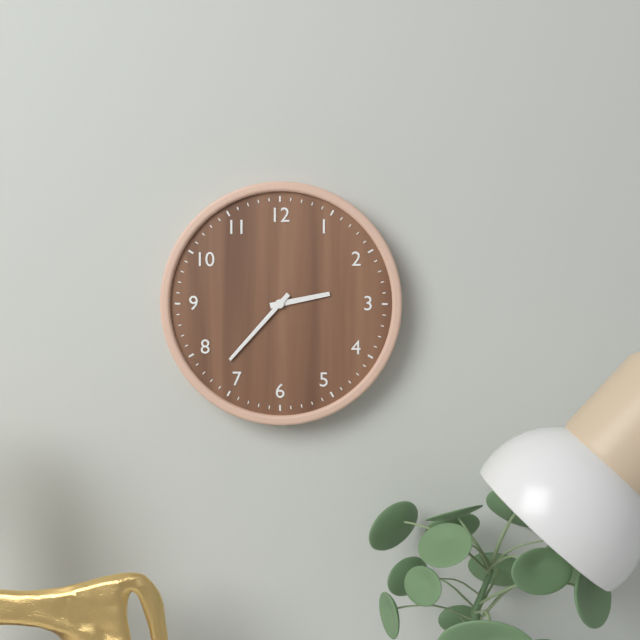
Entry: h=2 m=37
